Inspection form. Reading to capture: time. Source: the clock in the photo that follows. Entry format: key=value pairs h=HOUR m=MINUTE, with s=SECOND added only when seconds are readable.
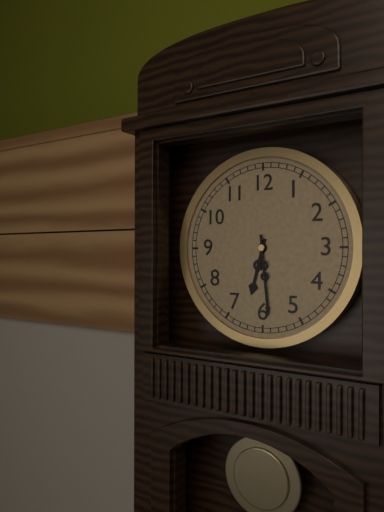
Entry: h=6 m=29
